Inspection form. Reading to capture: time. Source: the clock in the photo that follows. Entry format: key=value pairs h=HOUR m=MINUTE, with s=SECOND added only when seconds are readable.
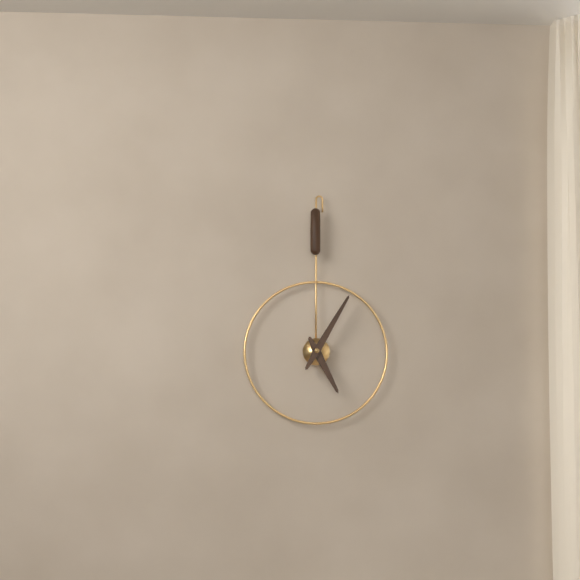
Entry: h=5 m=5
